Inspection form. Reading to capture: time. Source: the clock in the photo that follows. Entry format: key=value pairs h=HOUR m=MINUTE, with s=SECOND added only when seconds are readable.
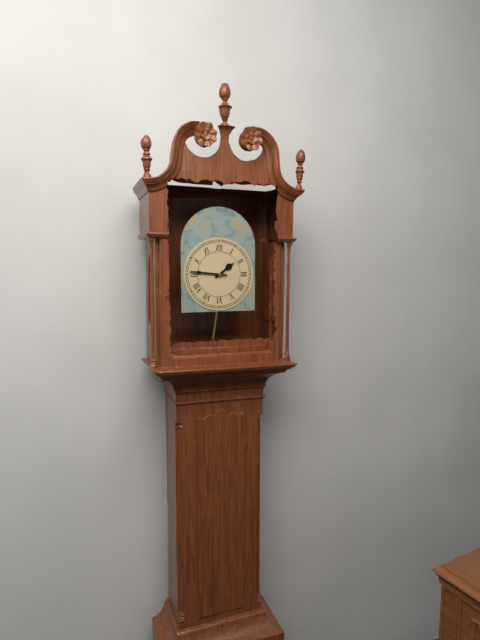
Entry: h=1 m=46
